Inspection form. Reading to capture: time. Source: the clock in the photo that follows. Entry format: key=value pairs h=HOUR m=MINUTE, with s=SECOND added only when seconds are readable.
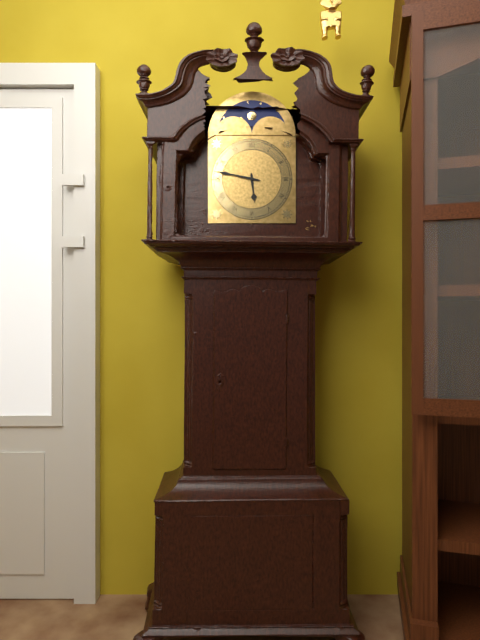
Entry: h=5 m=47
